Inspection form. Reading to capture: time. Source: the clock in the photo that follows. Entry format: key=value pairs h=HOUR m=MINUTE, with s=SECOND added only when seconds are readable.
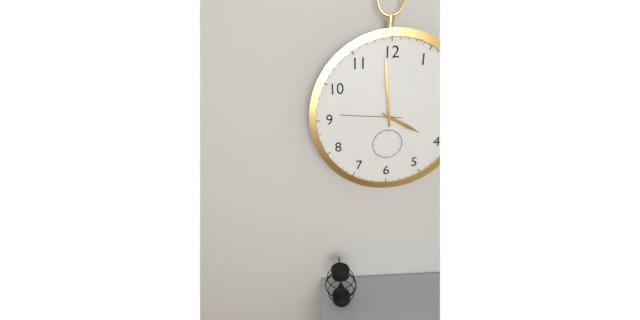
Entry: h=3 m=59 s=46
